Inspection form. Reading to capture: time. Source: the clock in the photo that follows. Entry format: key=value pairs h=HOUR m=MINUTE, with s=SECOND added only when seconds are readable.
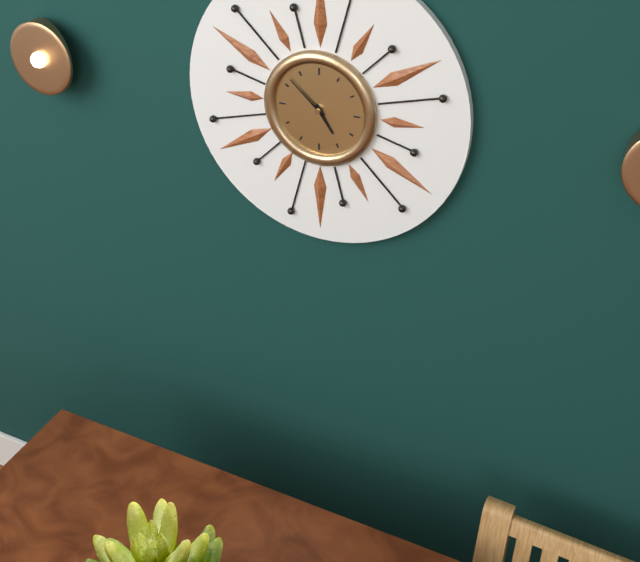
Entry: h=4 m=52
